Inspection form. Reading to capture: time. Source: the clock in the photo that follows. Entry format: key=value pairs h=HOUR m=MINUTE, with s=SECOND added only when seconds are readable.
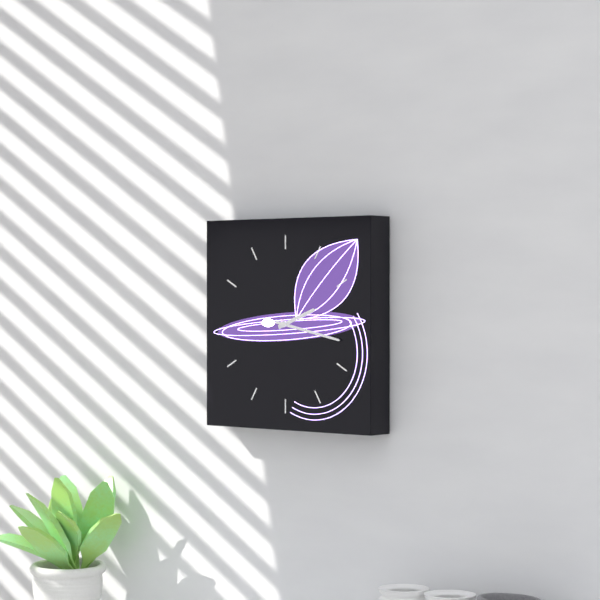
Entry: h=2 m=17
